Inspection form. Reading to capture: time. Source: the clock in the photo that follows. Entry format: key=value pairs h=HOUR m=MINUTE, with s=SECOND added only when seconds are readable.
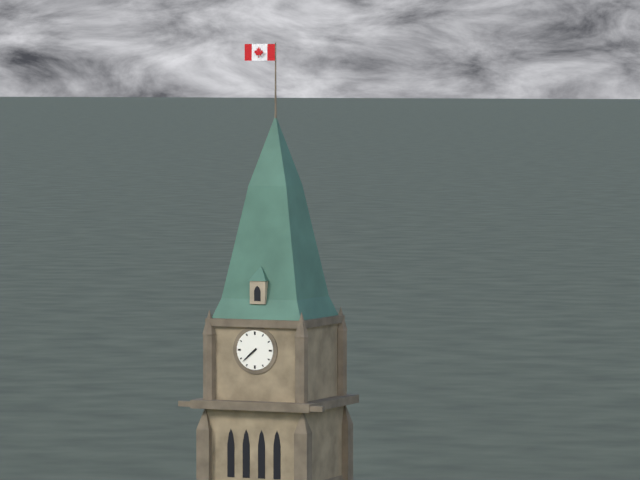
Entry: h=7 m=38
